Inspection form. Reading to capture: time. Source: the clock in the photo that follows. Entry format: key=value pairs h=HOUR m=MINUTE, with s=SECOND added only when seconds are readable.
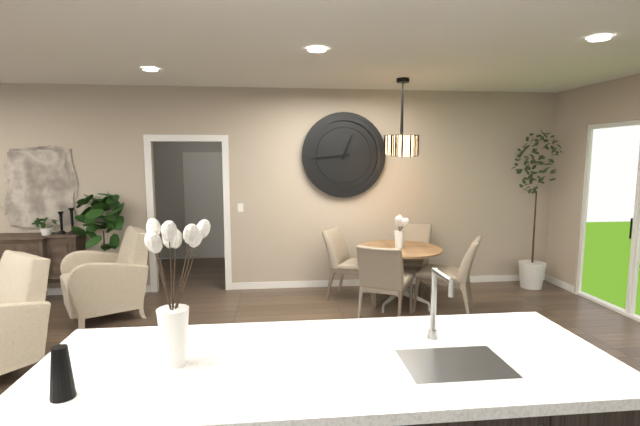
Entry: h=12 m=44
